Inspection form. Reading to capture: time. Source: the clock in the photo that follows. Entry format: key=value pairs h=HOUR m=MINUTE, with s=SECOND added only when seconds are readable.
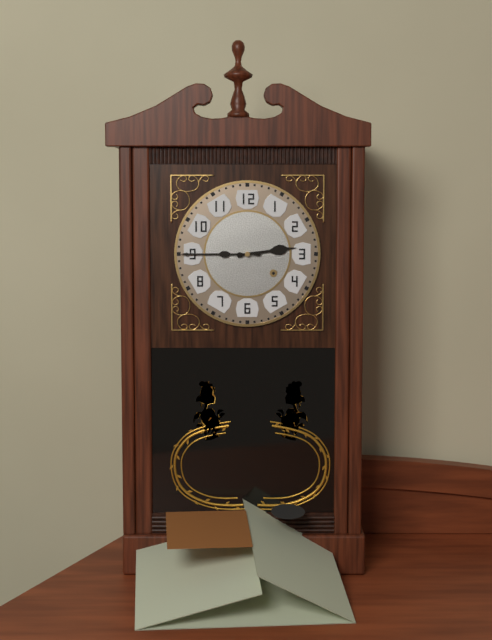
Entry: h=2 m=45
